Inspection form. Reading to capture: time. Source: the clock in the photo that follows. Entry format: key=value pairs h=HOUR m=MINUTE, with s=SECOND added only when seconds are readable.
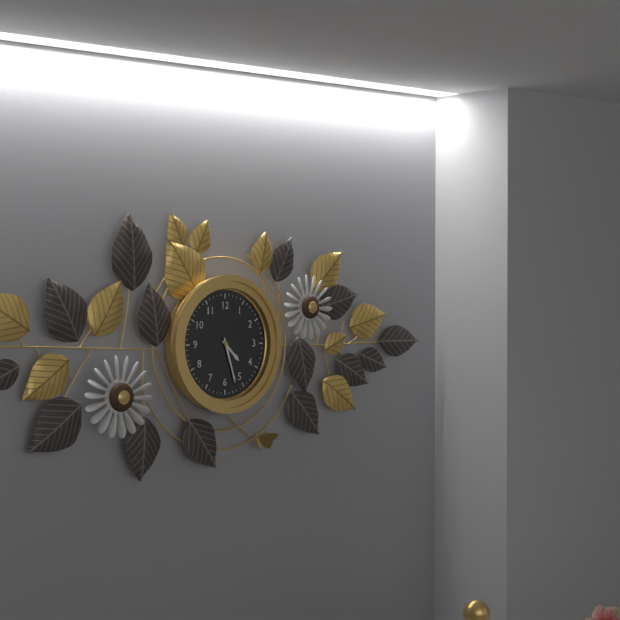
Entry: h=4 m=27
